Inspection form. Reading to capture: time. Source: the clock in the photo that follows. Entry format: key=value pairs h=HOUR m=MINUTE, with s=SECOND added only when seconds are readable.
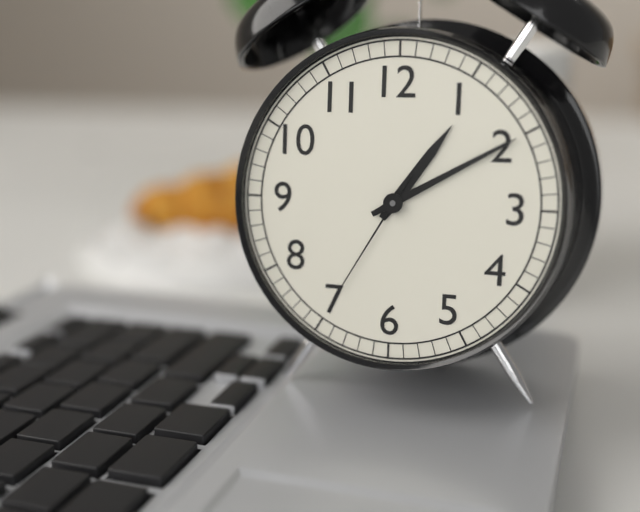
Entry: h=1 m=10 s=35
